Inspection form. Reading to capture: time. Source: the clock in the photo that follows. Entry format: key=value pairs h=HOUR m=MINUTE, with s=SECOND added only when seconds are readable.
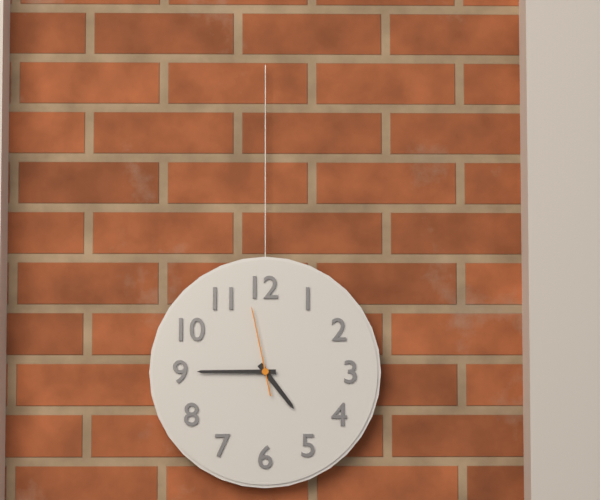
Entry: h=4 m=45 s=58
